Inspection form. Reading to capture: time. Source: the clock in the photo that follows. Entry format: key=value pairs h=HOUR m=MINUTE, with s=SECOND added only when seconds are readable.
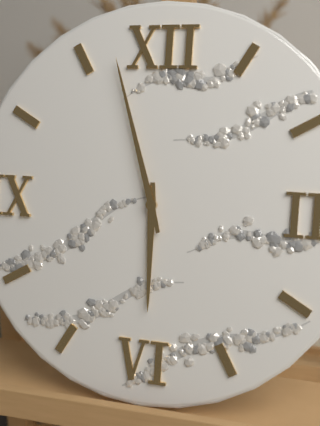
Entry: h=5 m=57
